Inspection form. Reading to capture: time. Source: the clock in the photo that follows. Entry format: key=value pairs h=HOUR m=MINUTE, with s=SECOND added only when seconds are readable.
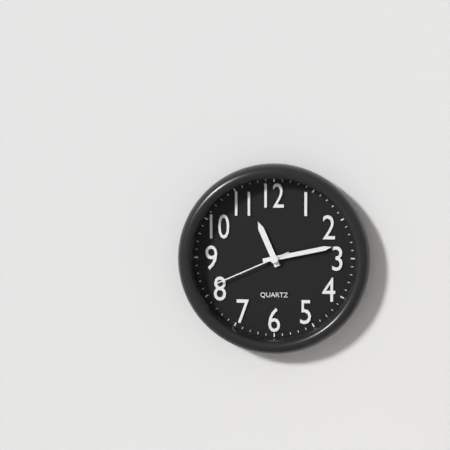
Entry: h=11 m=13 s=41
